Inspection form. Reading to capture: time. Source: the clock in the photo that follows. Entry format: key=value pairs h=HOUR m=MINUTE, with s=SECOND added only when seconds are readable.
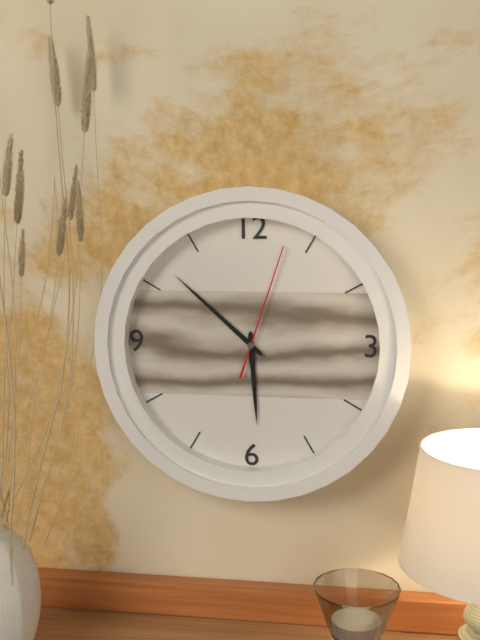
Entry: h=5 m=52 s=3
